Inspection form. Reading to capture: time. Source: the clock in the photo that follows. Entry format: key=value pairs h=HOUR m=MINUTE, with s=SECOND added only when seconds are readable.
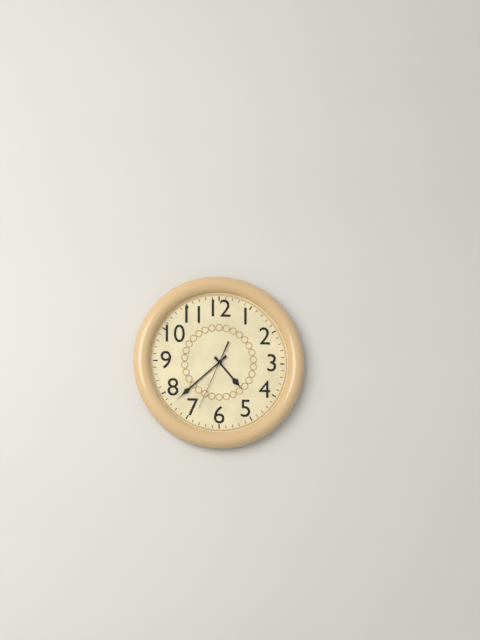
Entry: h=4 m=38 s=34
